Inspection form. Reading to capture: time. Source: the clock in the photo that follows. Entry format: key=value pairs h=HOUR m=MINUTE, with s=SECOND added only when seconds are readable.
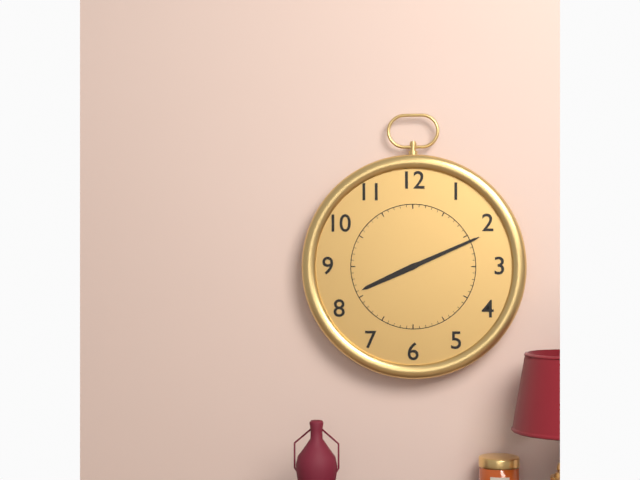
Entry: h=8 m=11
